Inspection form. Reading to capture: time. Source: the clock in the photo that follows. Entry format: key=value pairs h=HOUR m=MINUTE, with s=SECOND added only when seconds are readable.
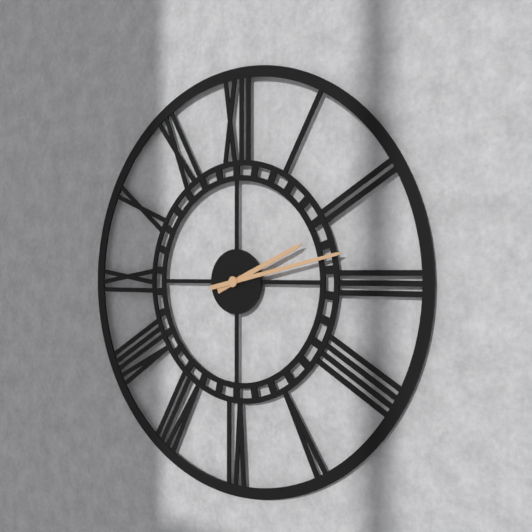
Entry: h=2 m=13
